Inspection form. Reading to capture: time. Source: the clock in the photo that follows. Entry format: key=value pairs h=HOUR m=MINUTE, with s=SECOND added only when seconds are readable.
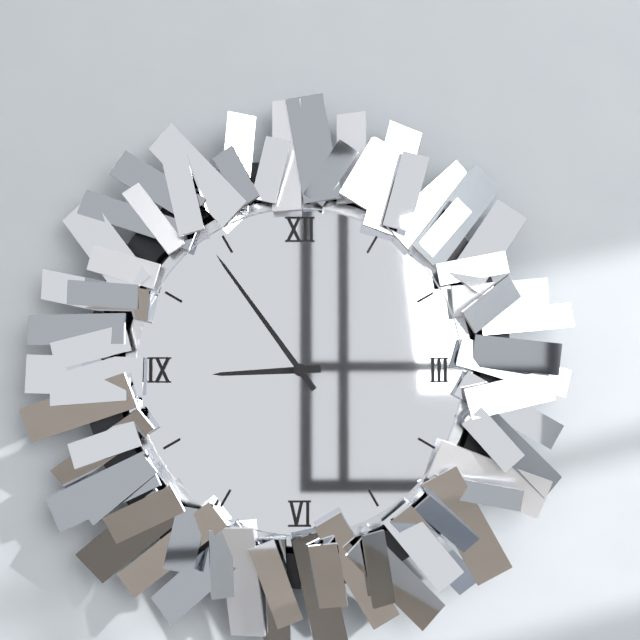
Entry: h=8 m=54
